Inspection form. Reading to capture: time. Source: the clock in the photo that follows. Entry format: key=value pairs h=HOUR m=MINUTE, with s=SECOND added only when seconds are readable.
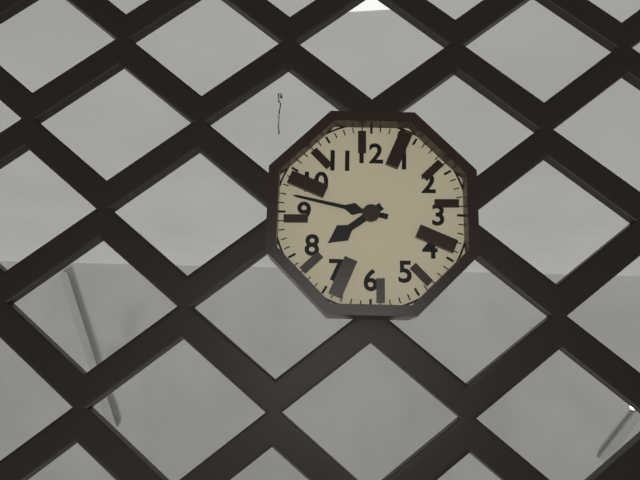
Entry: h=7 m=47
